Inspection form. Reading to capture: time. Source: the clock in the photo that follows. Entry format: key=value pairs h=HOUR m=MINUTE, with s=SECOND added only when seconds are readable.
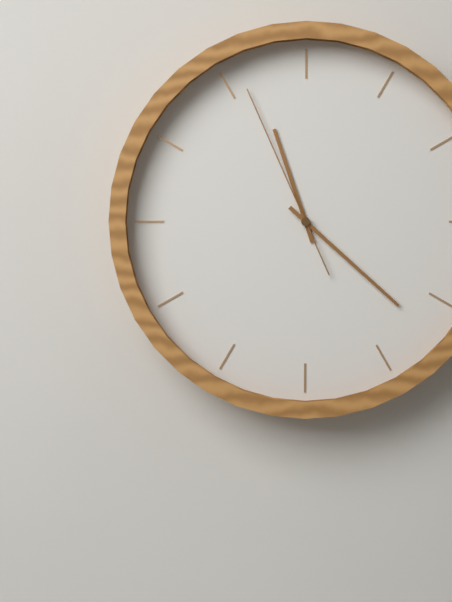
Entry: h=11 m=22 s=56
